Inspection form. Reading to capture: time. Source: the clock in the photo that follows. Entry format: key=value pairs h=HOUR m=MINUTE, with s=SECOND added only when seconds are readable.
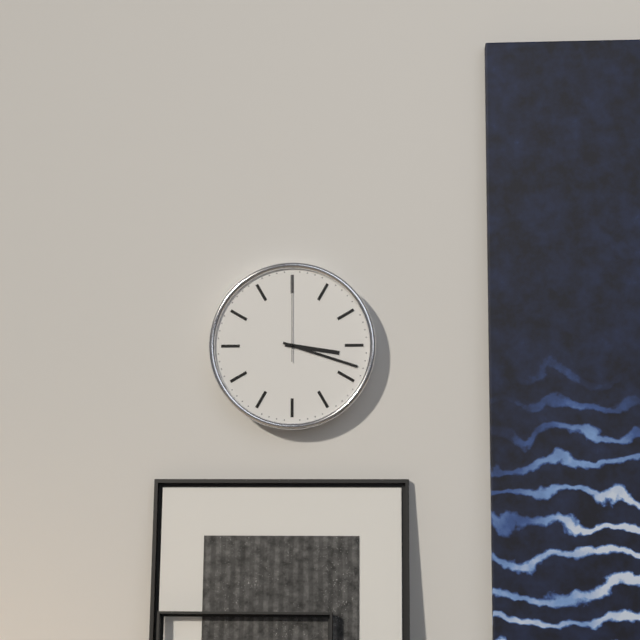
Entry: h=3 m=18 s=0
